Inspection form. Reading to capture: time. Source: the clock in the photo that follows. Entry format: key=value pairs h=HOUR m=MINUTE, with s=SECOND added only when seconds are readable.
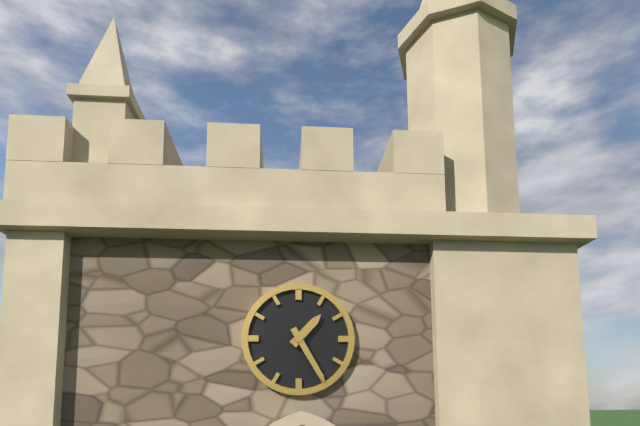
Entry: h=1 m=25
